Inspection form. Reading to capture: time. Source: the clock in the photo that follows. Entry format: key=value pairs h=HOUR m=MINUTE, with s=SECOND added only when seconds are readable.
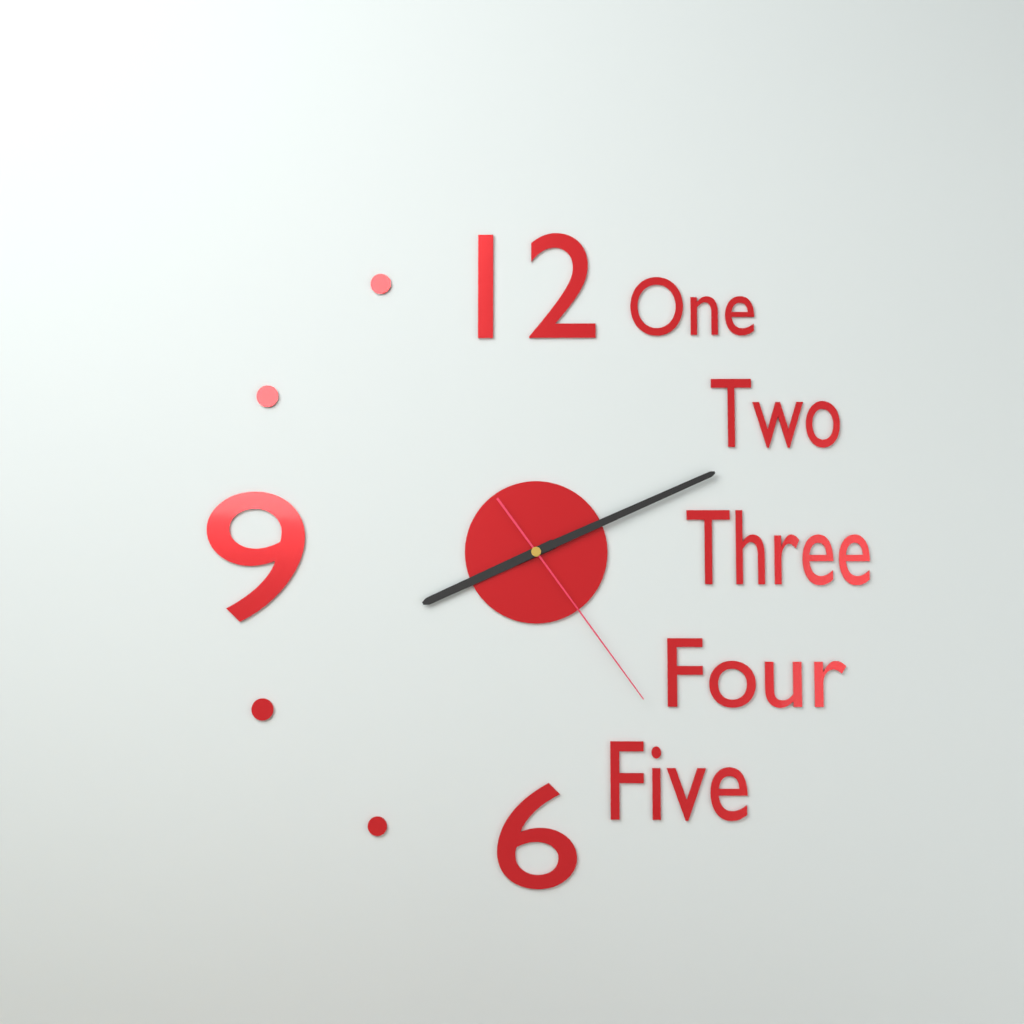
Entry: h=8 m=11 s=24
